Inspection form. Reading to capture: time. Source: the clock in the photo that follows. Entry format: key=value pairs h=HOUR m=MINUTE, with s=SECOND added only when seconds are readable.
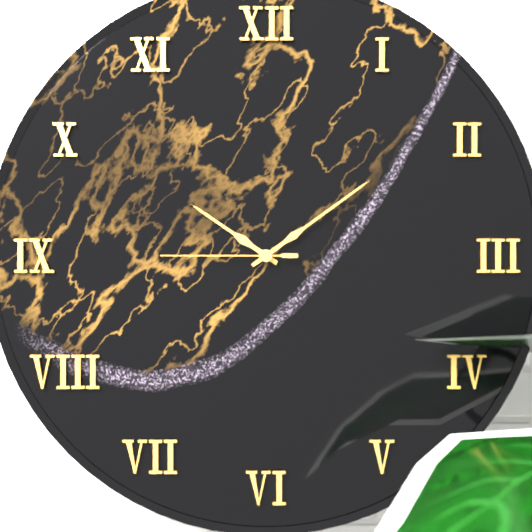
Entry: h=10 m=9 s=45
